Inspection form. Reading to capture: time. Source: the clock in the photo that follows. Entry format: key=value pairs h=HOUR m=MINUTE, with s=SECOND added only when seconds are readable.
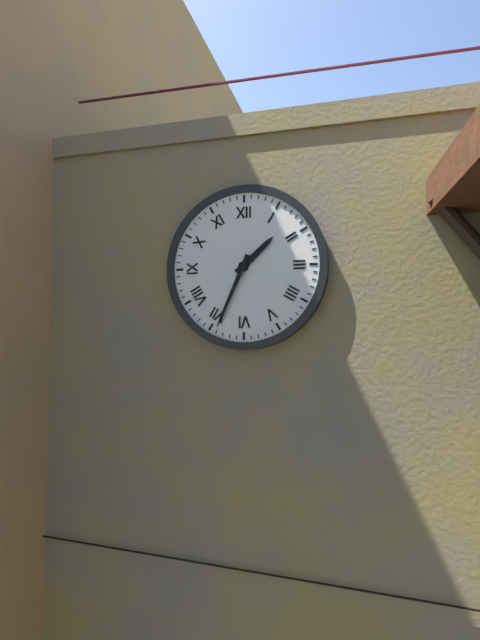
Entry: h=1 m=34
